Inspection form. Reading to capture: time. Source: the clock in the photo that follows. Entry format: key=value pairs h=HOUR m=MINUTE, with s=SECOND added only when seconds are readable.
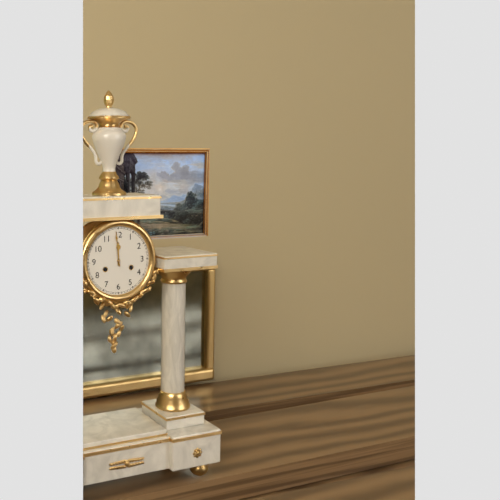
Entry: h=11 m=59
